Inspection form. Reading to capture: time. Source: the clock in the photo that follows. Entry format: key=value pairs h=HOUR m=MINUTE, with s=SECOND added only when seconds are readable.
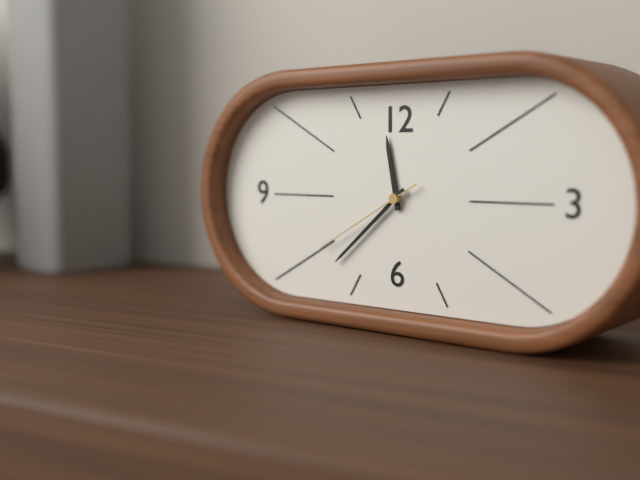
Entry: h=11 m=38 s=40
